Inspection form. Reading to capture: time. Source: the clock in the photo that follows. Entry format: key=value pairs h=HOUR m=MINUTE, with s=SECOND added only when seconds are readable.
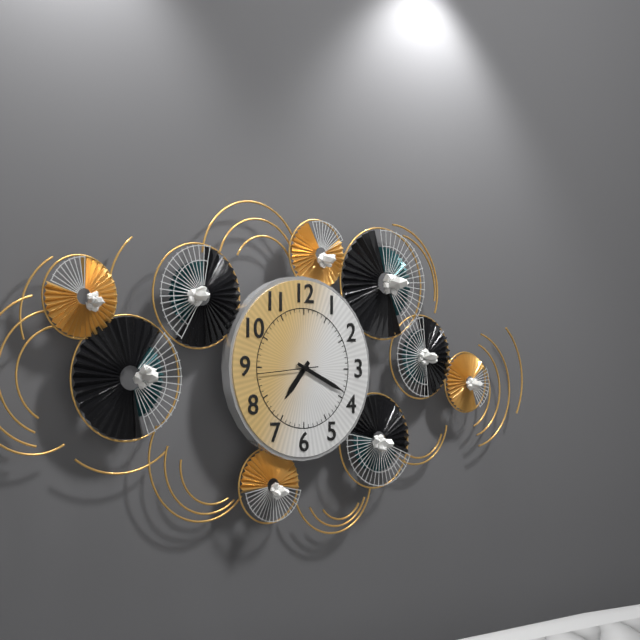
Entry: h=7 m=19 s=44
